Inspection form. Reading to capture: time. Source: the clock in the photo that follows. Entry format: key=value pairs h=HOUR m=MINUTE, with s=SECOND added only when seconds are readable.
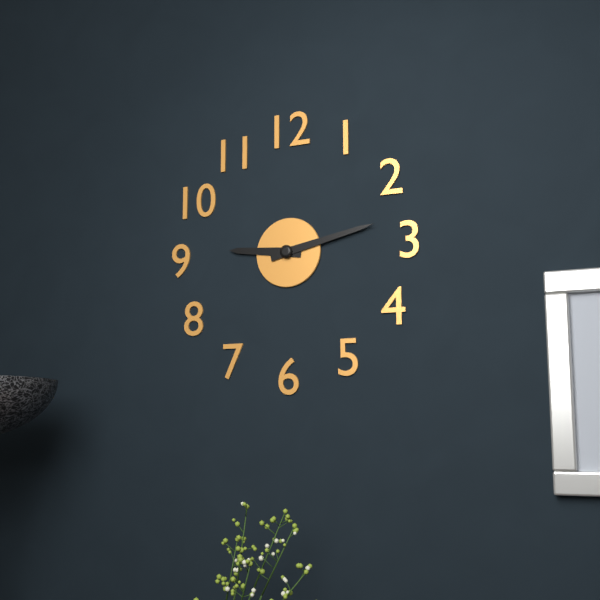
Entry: h=9 m=13
